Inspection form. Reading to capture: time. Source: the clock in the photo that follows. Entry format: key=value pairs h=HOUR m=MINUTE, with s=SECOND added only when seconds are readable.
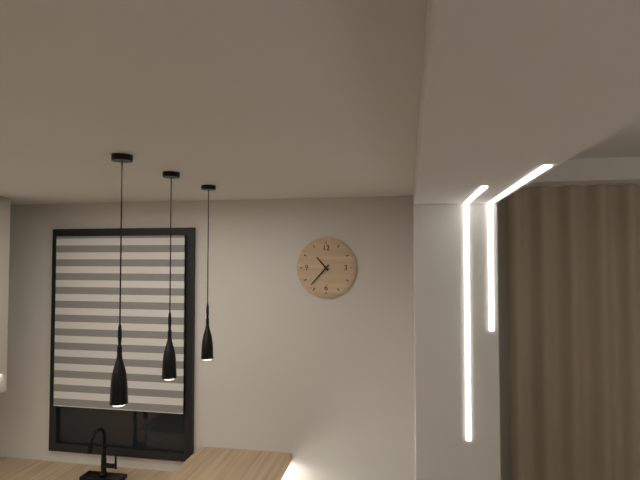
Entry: h=10 m=37
